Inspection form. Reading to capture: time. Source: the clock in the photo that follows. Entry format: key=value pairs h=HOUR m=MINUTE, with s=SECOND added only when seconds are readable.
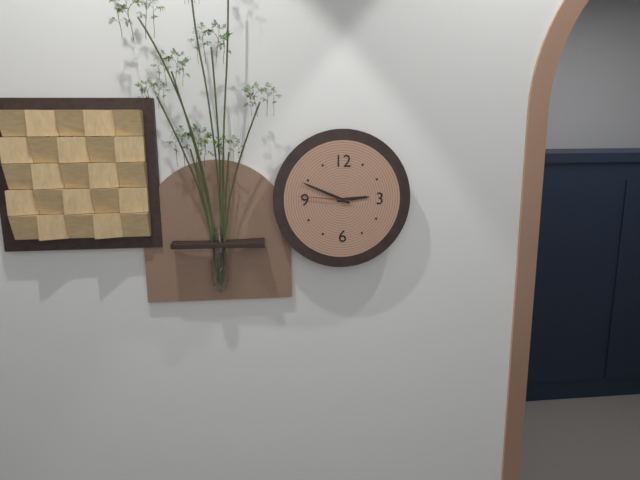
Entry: h=2 m=49 s=46
